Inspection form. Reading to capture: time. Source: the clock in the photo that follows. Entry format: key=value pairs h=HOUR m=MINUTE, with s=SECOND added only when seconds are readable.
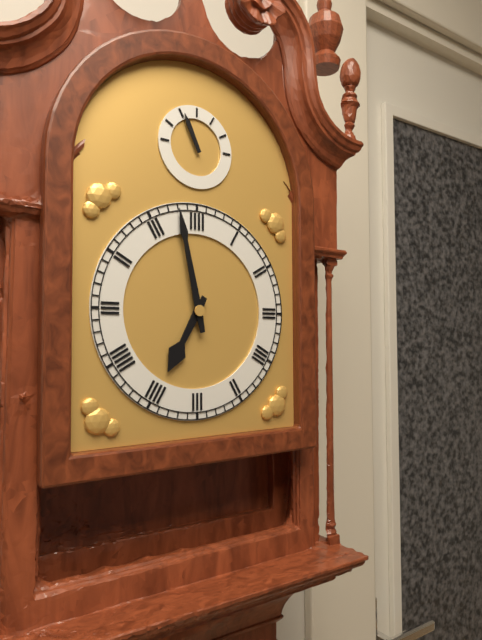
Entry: h=6 m=58
